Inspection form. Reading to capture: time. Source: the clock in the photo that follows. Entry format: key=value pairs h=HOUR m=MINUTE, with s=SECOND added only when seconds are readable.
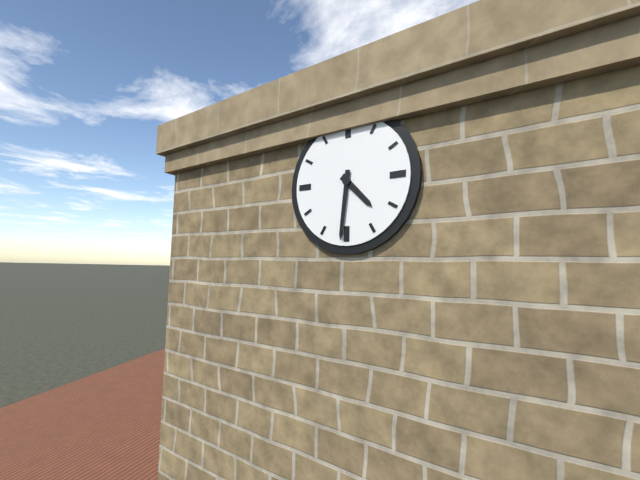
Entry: h=4 m=31
